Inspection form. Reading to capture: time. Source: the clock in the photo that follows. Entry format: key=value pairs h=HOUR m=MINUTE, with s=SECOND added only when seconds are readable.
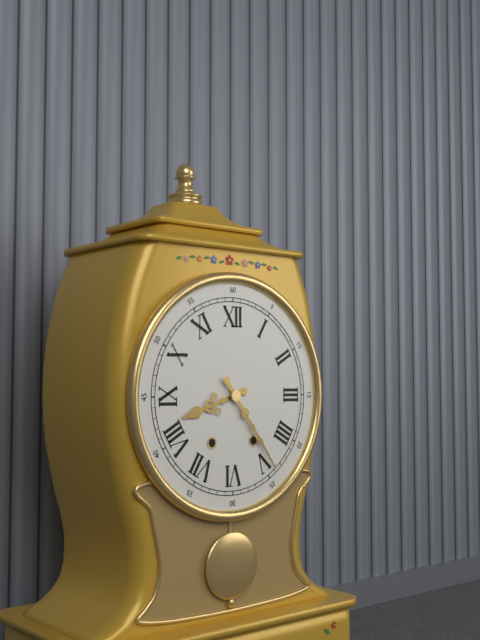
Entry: h=8 m=24
